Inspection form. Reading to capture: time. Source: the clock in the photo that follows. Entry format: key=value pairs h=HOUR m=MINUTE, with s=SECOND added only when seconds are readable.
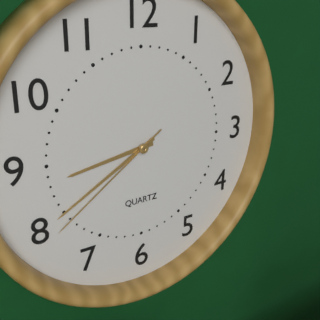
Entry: h=8 m=40 s=39
